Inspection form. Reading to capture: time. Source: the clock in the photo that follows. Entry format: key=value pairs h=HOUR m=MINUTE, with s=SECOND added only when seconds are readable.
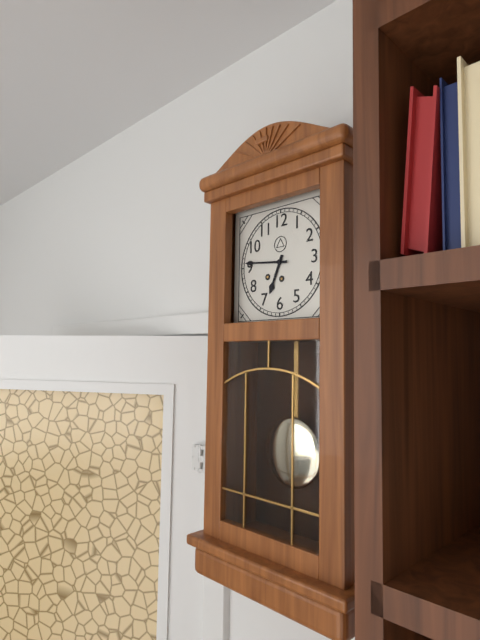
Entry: h=6 m=46
